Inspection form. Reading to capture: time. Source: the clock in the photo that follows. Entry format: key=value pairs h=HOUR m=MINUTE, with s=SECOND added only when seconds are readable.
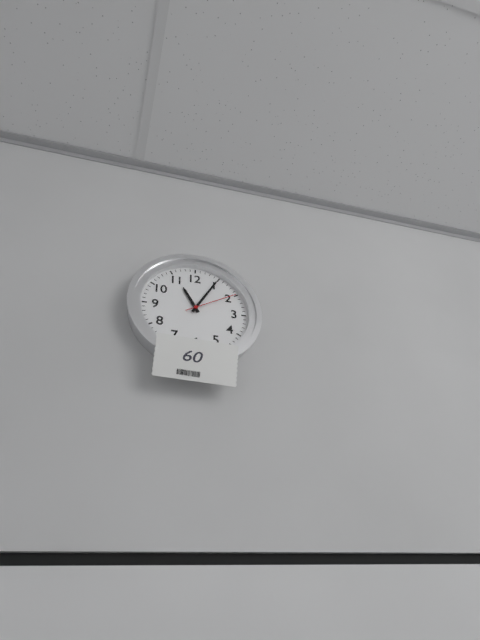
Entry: h=11 m=5 s=10
